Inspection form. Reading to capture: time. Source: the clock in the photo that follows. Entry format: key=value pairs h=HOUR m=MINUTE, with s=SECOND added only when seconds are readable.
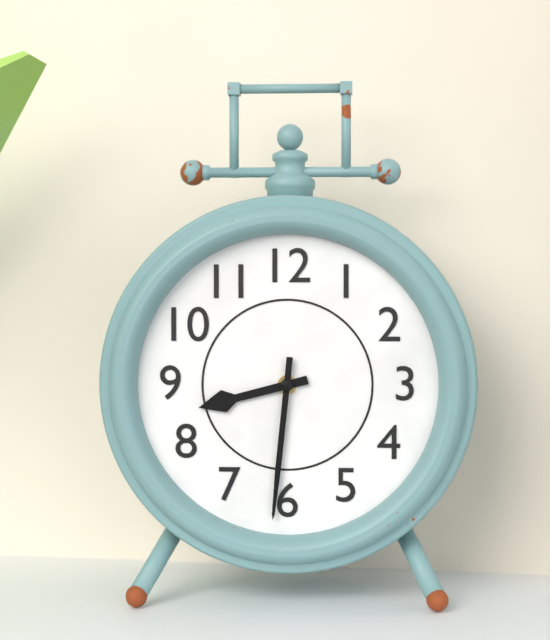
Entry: h=8 m=31
